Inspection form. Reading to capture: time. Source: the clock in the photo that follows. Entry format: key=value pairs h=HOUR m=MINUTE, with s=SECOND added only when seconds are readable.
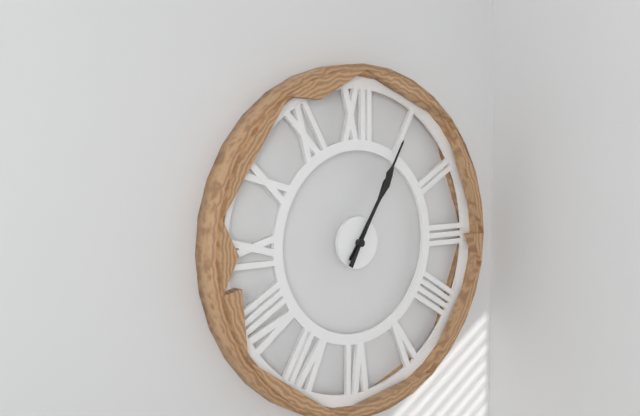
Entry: h=1 m=5
